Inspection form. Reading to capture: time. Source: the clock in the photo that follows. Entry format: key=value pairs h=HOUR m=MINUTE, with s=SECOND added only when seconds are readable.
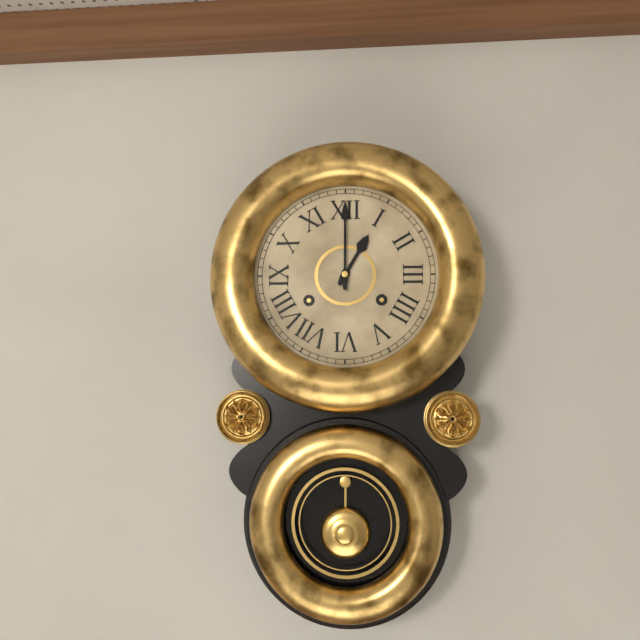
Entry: h=1 m=0
